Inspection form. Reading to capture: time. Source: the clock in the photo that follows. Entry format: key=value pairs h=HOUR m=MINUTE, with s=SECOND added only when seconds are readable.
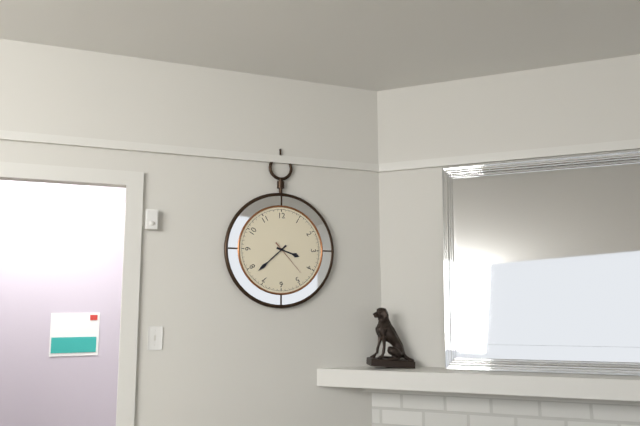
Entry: h=3 m=38
